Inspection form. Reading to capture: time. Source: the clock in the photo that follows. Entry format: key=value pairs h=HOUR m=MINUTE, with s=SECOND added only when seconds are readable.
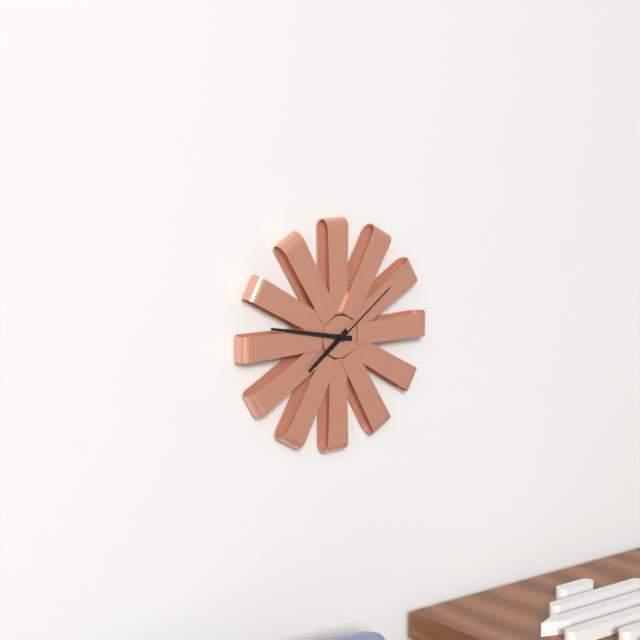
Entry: h=7 m=47 s=9
